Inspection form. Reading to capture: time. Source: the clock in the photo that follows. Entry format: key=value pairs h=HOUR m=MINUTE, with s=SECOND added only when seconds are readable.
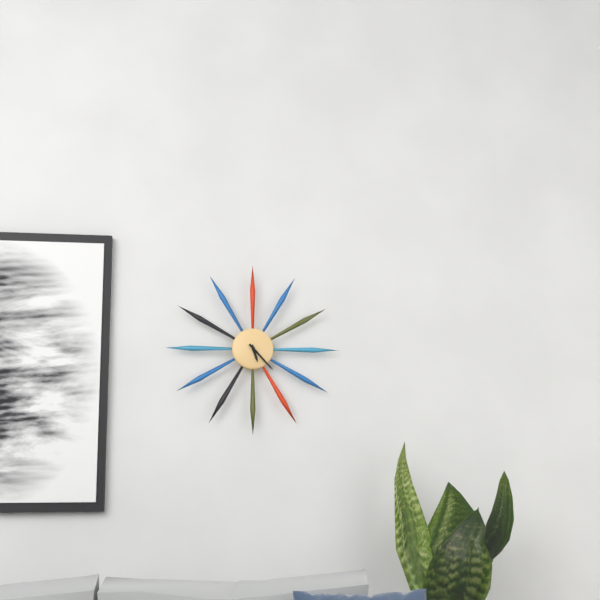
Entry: h=5 m=23
